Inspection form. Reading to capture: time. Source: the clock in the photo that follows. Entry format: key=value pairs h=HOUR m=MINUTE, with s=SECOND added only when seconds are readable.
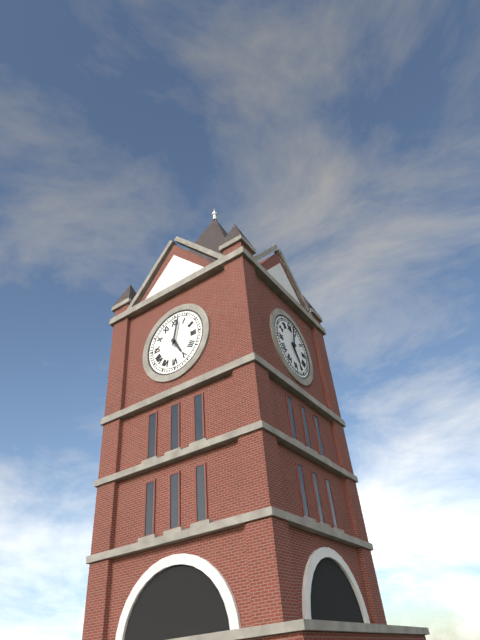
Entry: h=5 m=2
